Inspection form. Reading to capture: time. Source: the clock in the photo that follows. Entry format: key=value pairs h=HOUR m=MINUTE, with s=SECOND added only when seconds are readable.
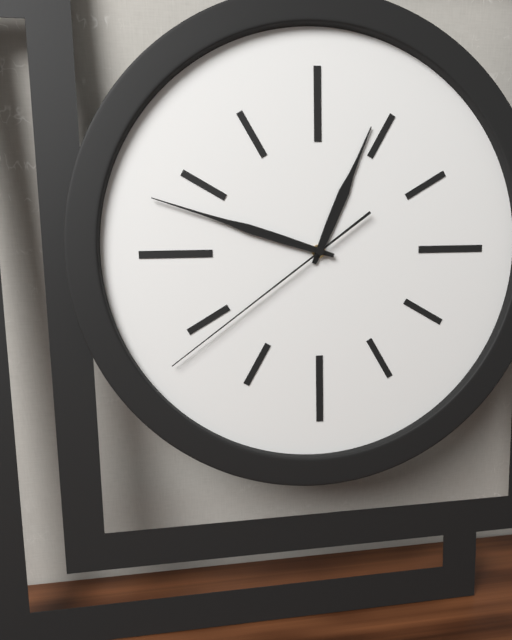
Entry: h=12 m=48 s=39
